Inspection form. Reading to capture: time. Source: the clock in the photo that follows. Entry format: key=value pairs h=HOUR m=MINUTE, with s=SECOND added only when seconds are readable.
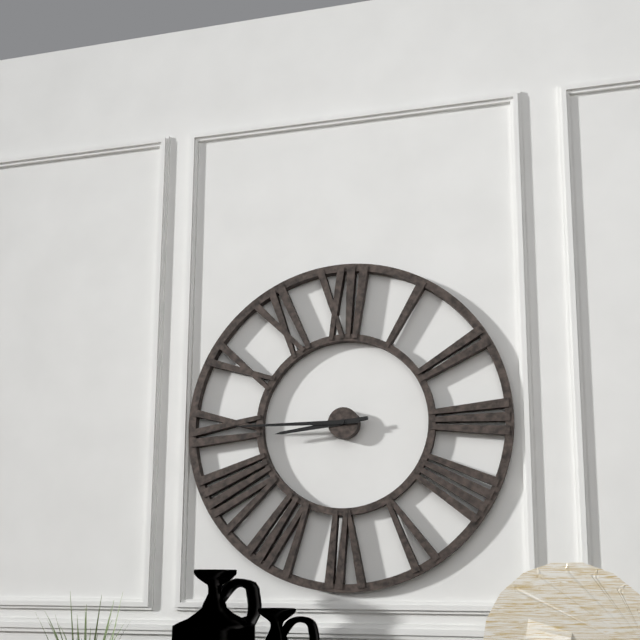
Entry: h=8 m=45
